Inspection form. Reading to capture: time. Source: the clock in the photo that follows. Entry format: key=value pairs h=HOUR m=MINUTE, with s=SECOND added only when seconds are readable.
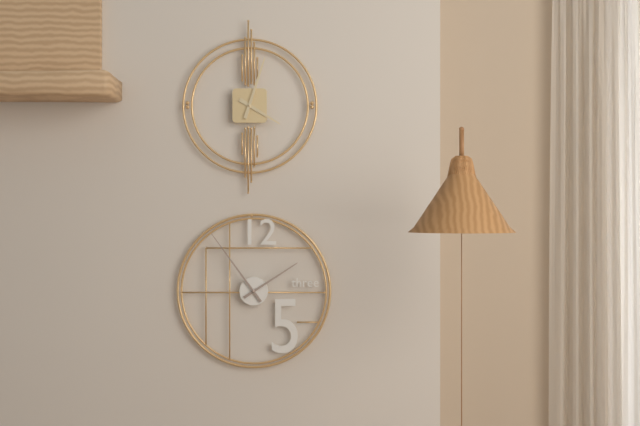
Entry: h=4 m=3
